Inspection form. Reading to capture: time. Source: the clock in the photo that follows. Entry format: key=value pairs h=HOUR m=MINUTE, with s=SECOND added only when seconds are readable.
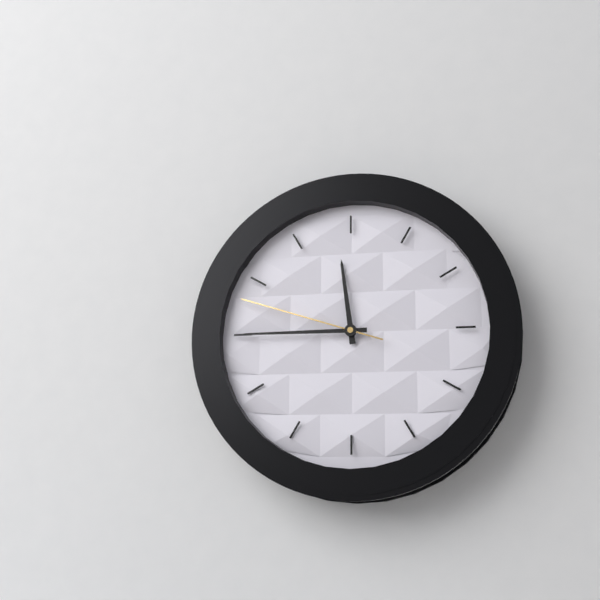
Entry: h=11 m=45 s=48
